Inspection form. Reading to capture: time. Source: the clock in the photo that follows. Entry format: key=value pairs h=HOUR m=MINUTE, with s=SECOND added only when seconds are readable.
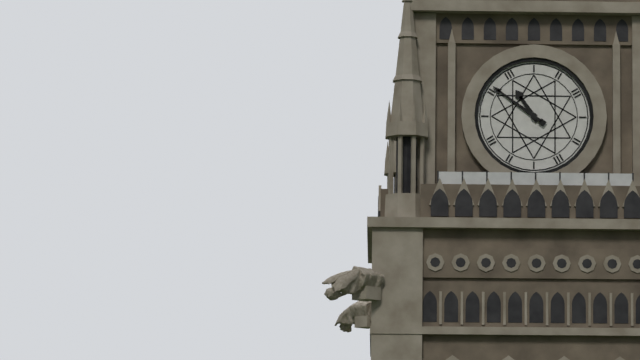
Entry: h=10 m=51
